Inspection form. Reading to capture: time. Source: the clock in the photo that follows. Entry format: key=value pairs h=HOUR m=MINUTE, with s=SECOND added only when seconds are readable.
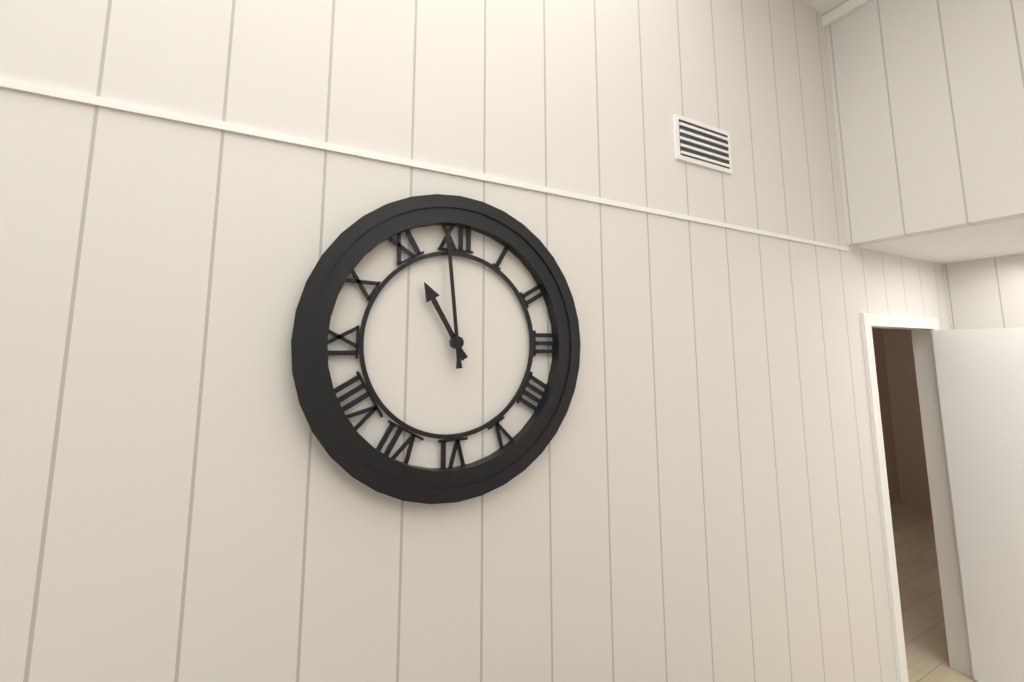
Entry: h=10 m=59
